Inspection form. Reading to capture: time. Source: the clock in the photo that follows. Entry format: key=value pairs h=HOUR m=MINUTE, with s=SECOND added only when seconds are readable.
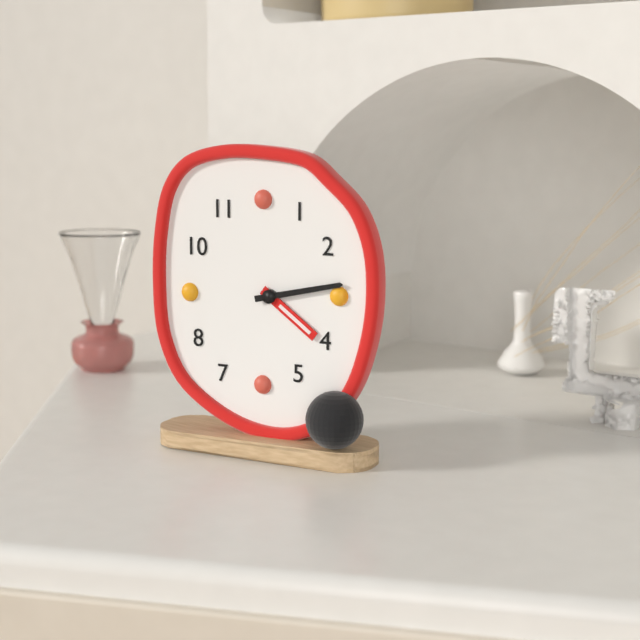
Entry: h=4 m=13
